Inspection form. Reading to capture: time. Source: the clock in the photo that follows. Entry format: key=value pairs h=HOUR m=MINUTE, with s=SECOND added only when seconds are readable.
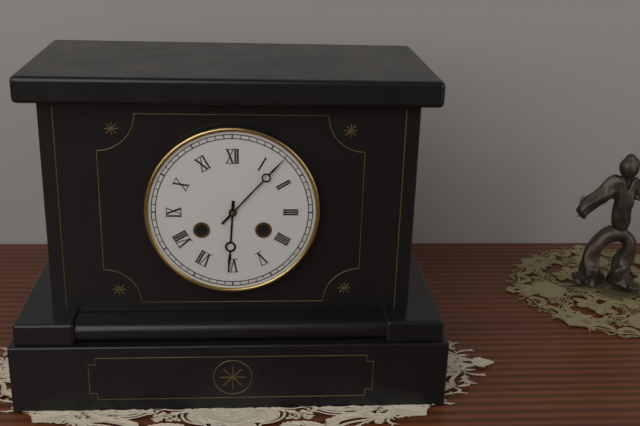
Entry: h=6 m=7
